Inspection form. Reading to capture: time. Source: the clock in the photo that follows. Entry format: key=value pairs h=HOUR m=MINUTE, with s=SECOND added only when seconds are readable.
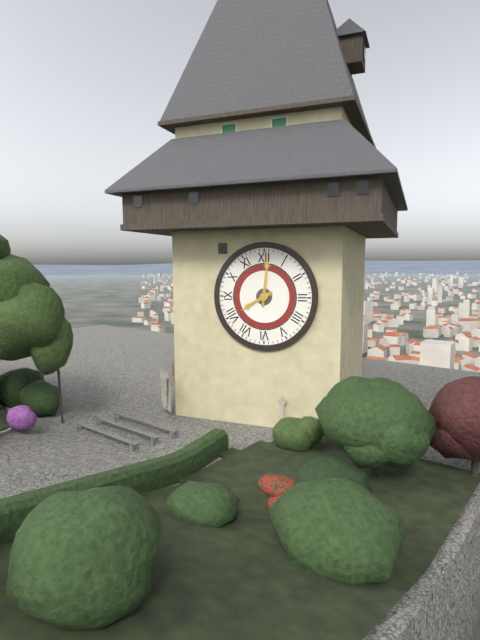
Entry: h=8 m=1
